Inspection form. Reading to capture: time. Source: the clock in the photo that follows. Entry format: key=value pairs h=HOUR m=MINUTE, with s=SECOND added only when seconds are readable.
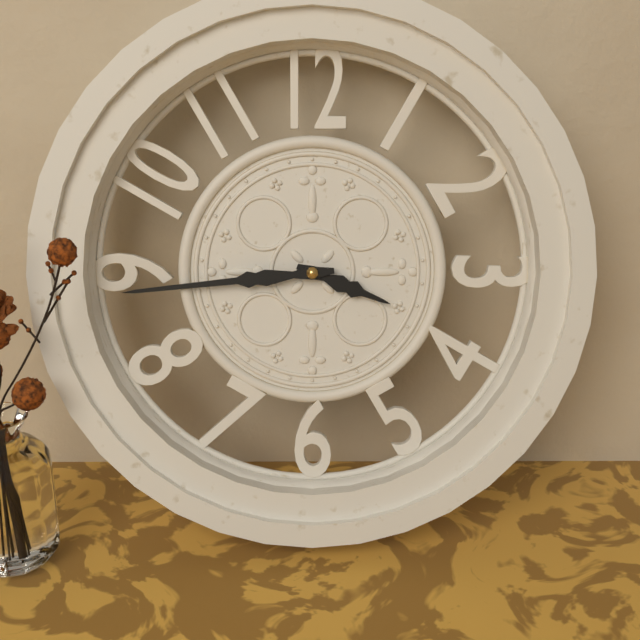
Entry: h=3 m=44
